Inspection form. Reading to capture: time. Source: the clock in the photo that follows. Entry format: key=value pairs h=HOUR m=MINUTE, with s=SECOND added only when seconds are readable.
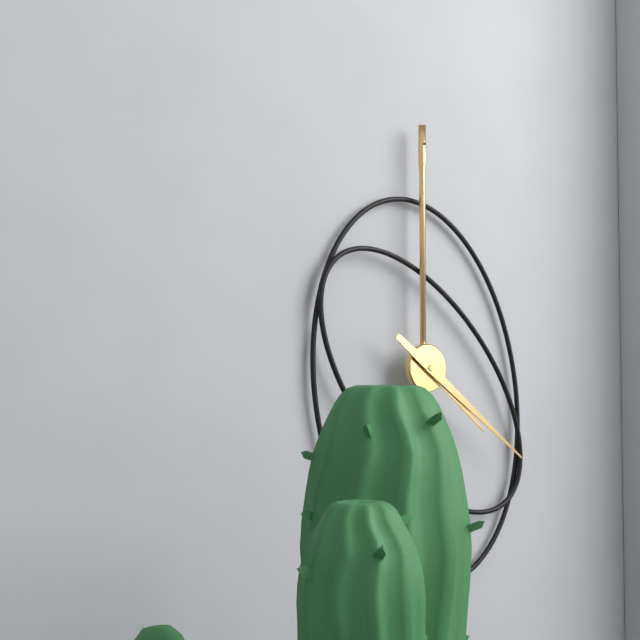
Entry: h=4 m=21
